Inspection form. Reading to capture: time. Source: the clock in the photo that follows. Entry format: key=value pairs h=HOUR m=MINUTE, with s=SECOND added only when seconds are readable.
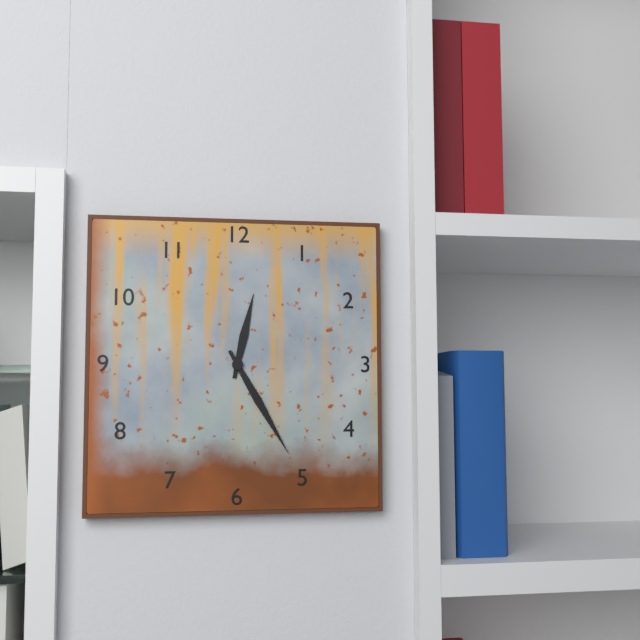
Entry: h=12 m=25
